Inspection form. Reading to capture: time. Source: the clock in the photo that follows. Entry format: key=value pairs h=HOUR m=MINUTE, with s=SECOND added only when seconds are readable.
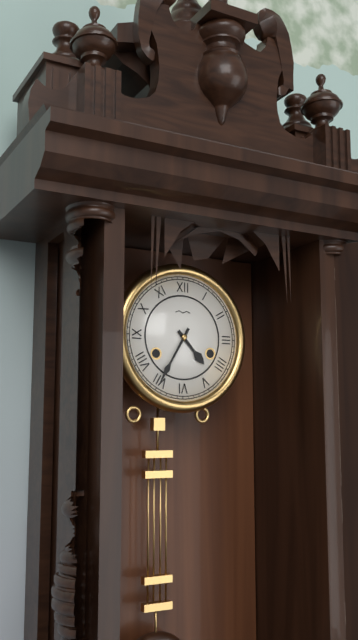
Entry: h=4 m=35
